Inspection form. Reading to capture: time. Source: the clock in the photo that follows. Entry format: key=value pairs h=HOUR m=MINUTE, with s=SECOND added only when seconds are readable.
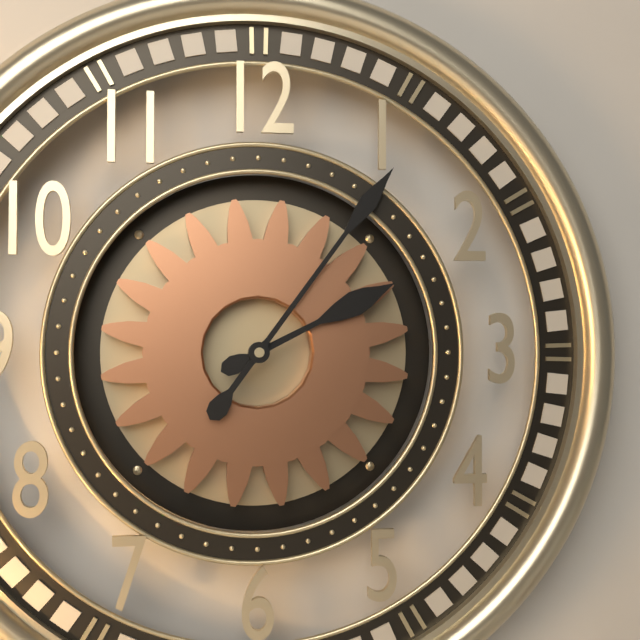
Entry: h=2 m=6
